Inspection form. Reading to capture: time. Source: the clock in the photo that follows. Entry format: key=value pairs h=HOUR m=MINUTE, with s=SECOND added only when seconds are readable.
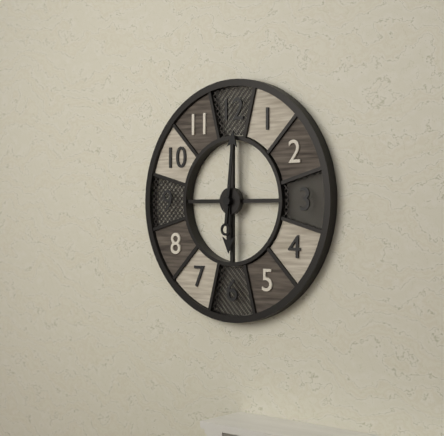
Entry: h=6 m=1
